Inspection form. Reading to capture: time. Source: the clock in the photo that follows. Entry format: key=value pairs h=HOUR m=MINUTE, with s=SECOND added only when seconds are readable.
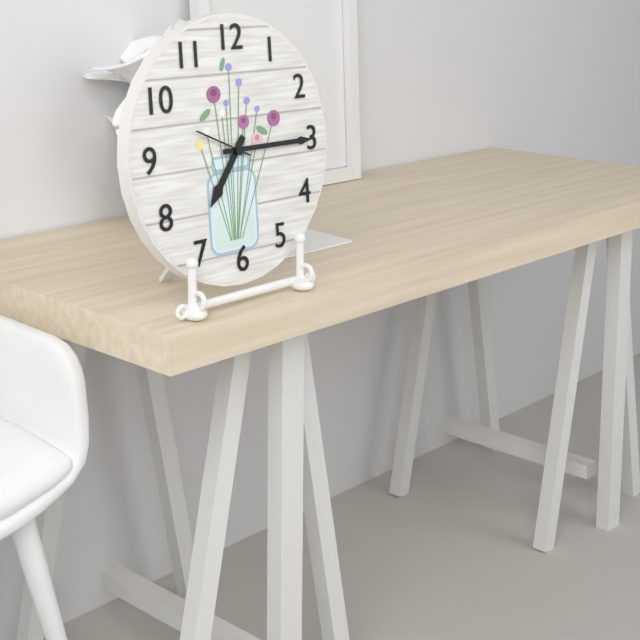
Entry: h=7 m=15 s=49
